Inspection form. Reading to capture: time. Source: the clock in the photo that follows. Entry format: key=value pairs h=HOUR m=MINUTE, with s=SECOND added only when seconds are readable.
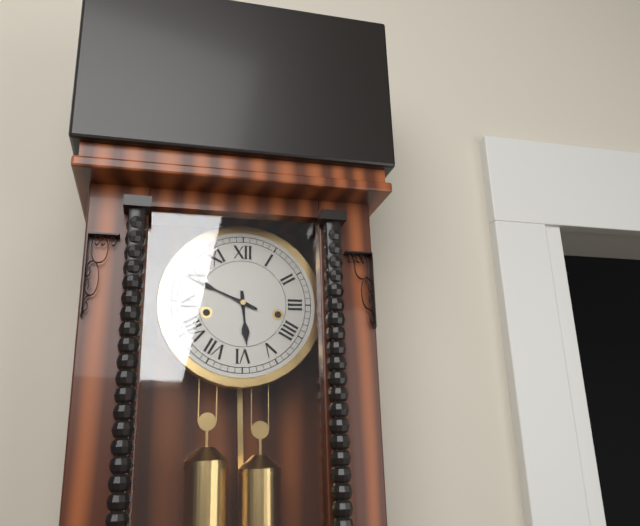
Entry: h=5 m=49
